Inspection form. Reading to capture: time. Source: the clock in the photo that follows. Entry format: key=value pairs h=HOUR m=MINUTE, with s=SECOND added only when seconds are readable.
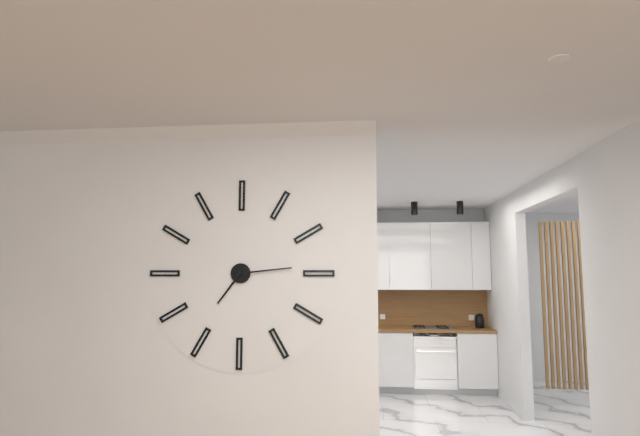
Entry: h=7 m=14
